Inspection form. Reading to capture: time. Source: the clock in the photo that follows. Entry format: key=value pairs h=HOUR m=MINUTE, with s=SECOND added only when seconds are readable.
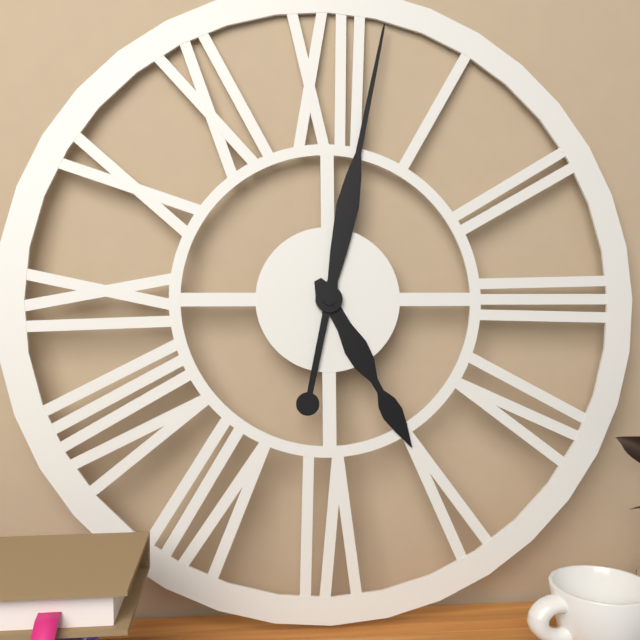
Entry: h=5 m=2
